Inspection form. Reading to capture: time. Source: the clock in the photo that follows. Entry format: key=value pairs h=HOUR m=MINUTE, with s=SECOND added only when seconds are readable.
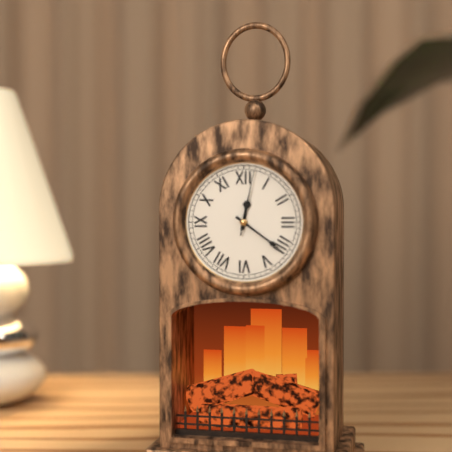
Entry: h=12 m=21 s=2
